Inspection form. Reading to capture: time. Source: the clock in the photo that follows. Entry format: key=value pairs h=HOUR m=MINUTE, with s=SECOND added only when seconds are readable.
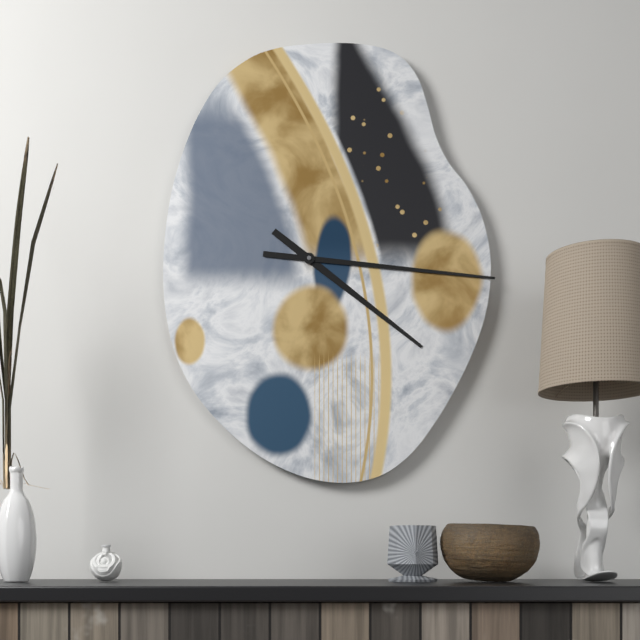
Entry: h=4 m=16
